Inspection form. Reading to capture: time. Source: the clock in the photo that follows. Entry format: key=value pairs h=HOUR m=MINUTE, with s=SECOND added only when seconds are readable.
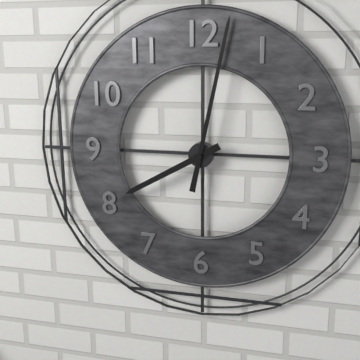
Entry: h=8 m=2
